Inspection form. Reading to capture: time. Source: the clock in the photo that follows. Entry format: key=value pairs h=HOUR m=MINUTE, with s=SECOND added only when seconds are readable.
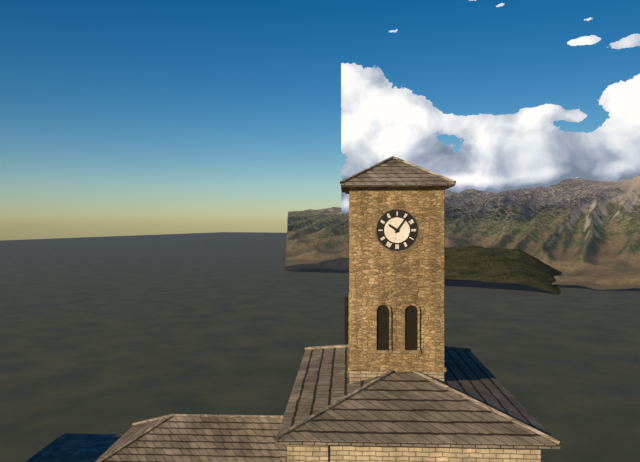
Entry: h=10 m=6
